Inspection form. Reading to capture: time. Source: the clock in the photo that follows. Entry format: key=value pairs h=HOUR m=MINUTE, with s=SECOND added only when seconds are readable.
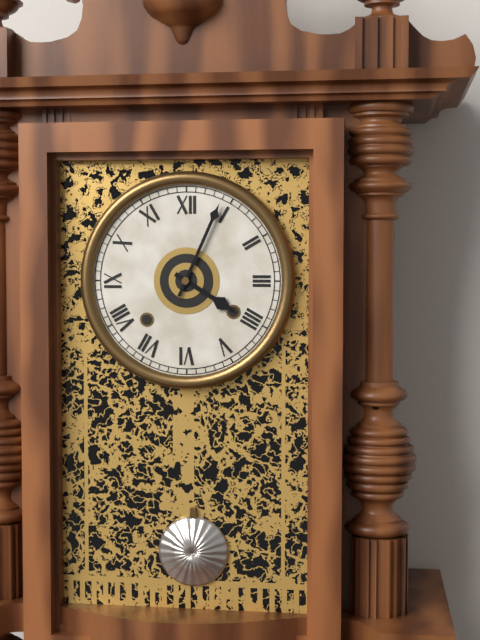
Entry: h=4 m=4
